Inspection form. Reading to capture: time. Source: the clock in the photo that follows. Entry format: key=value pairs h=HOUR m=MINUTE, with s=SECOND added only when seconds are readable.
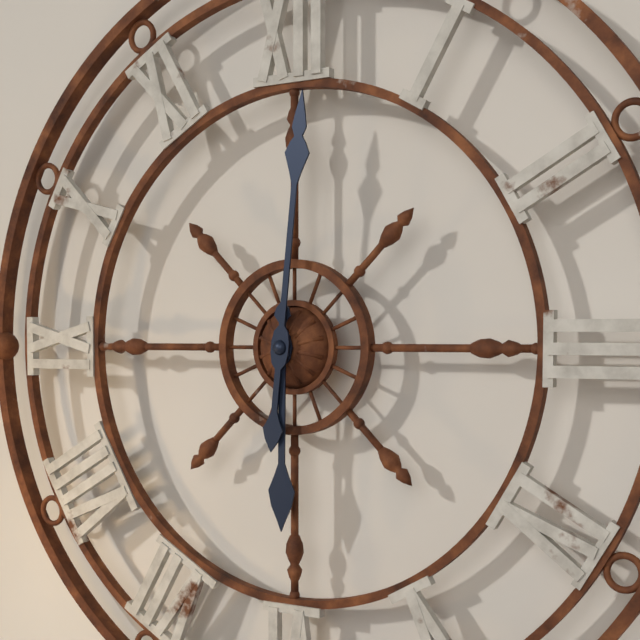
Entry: h=6 m=1
